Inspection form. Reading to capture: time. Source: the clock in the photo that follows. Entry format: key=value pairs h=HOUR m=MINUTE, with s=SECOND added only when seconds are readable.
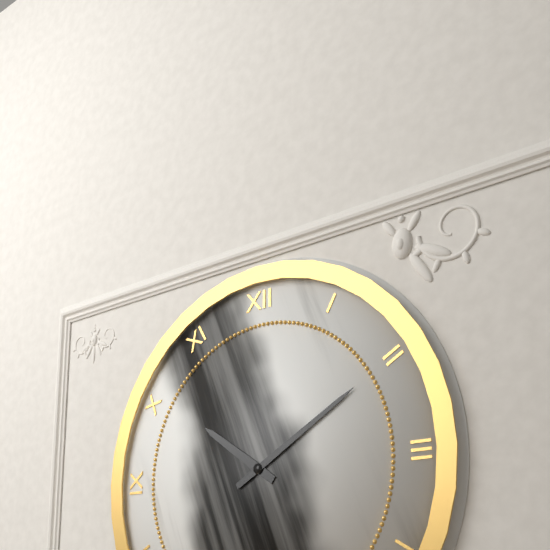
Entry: h=10 m=10
